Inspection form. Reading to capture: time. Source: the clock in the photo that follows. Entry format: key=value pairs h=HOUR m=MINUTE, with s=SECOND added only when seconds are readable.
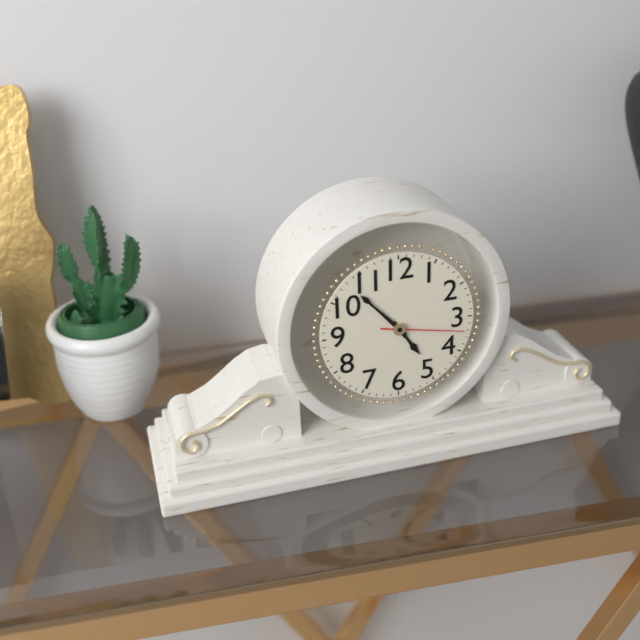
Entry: h=4 m=53 s=17
